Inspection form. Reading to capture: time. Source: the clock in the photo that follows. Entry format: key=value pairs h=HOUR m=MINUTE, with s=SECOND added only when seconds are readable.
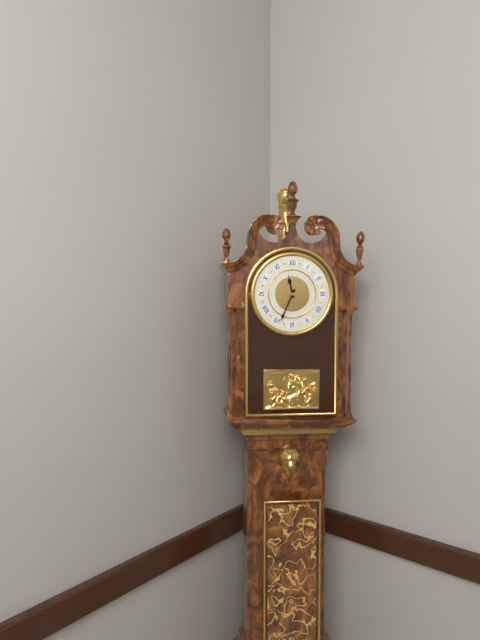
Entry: h=11 m=34
